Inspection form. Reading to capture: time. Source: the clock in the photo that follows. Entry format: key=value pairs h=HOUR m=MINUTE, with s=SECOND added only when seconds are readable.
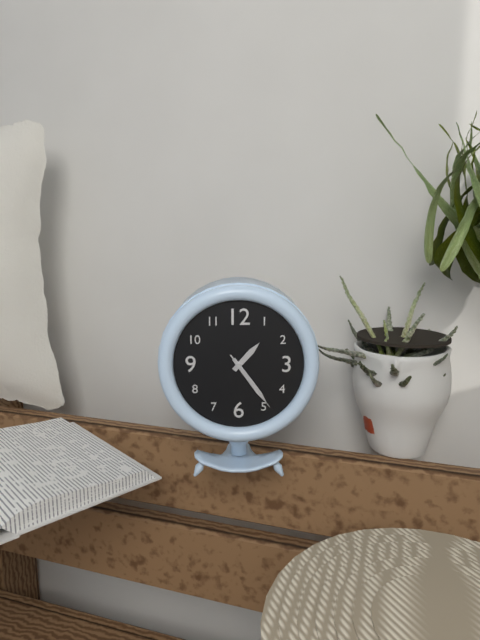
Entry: h=1 m=24 s=24
